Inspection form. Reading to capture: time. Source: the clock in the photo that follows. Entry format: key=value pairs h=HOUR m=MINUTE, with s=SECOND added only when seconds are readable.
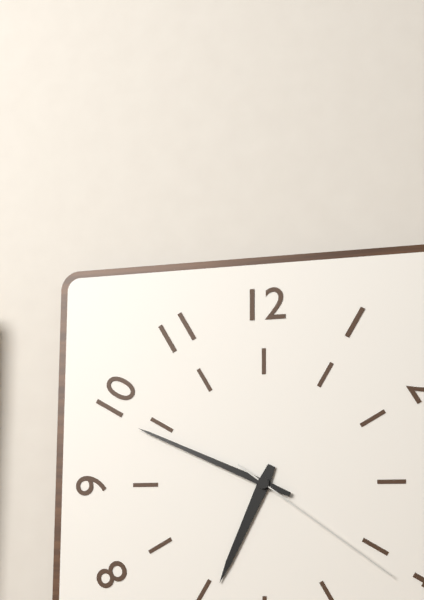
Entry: h=6 m=49 s=21
